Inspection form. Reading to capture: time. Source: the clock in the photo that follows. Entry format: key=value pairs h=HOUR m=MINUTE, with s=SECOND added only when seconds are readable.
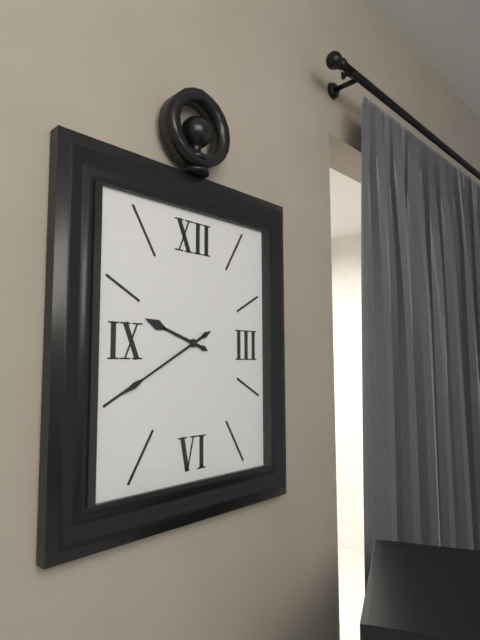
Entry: h=9 m=40
